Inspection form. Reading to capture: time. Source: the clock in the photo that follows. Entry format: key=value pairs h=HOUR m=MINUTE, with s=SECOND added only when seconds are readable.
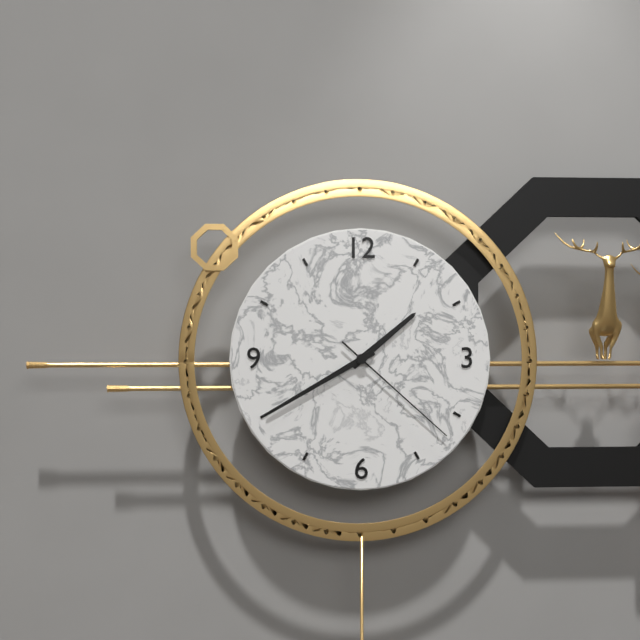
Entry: h=1 m=40 s=22
